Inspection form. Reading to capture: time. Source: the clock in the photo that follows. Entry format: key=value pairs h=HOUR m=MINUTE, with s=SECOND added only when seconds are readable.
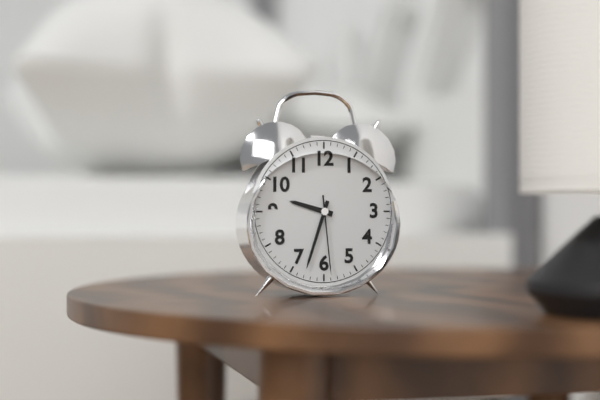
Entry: h=9 m=33 s=29
